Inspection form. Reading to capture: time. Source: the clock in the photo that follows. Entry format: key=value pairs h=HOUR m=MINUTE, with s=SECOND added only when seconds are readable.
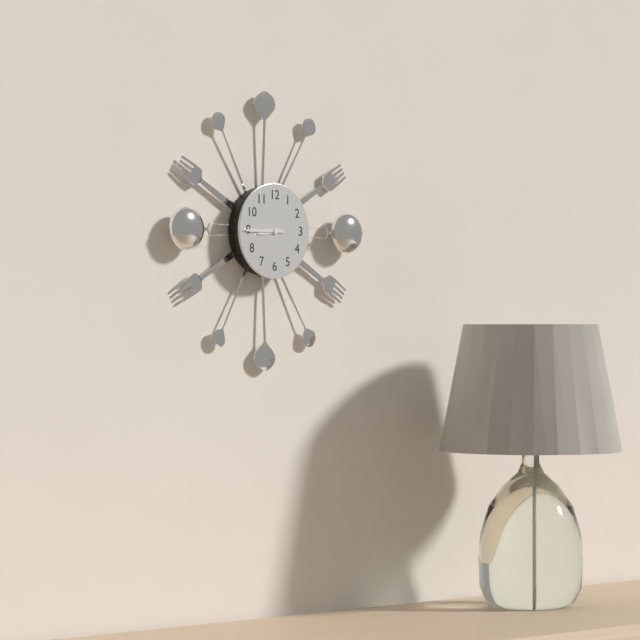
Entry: h=8 m=45
